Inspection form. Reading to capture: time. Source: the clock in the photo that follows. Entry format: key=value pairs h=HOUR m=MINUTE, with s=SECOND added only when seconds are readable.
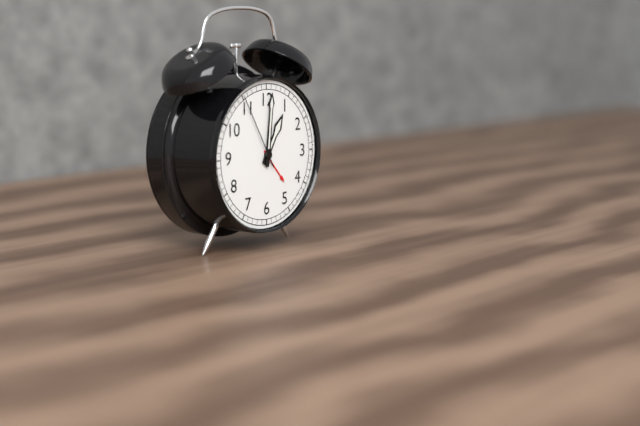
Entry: h=1 m=1 s=55
